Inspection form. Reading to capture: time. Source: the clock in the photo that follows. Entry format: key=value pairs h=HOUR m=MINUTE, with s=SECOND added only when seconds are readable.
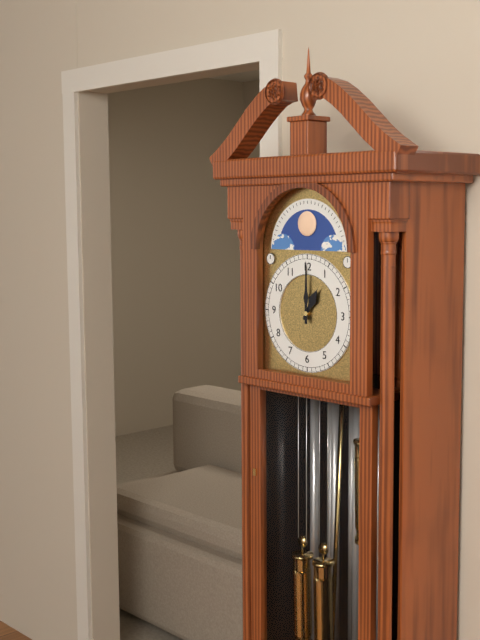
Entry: h=1 m=0
